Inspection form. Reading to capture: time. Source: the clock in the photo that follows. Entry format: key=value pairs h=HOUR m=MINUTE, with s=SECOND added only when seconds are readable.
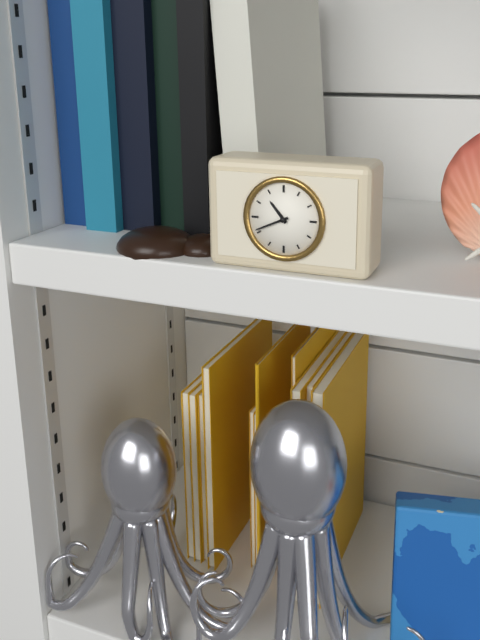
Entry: h=10 m=41
